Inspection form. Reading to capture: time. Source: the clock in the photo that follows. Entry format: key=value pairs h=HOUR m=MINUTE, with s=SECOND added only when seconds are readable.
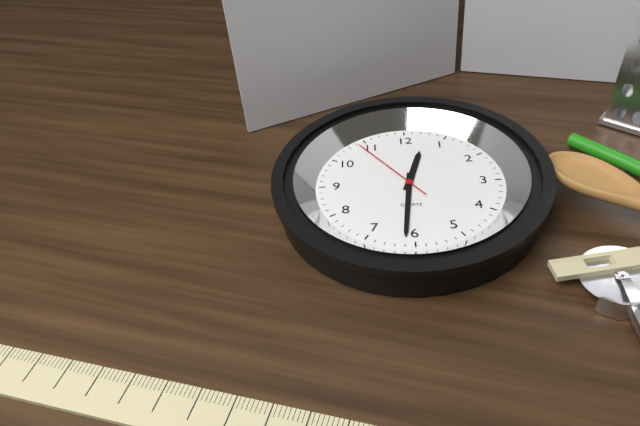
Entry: h=12 m=31 s=54
